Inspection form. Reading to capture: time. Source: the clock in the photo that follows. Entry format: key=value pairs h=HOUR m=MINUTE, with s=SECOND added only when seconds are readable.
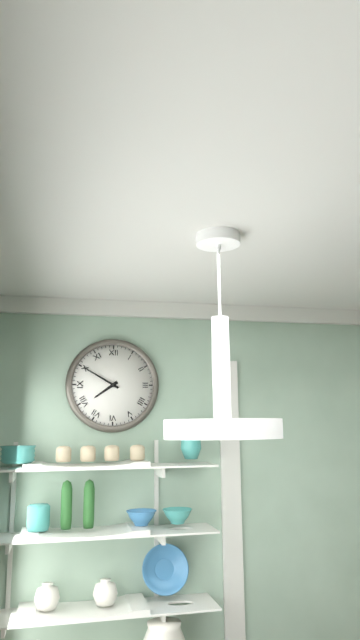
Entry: h=7 m=50
